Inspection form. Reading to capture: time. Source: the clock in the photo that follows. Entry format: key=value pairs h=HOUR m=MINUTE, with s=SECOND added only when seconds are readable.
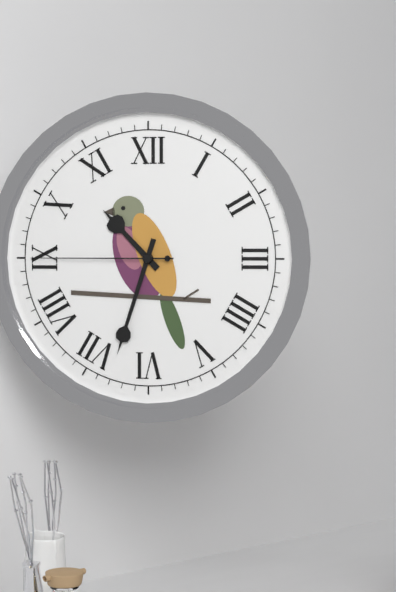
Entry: h=10 m=33 s=45
